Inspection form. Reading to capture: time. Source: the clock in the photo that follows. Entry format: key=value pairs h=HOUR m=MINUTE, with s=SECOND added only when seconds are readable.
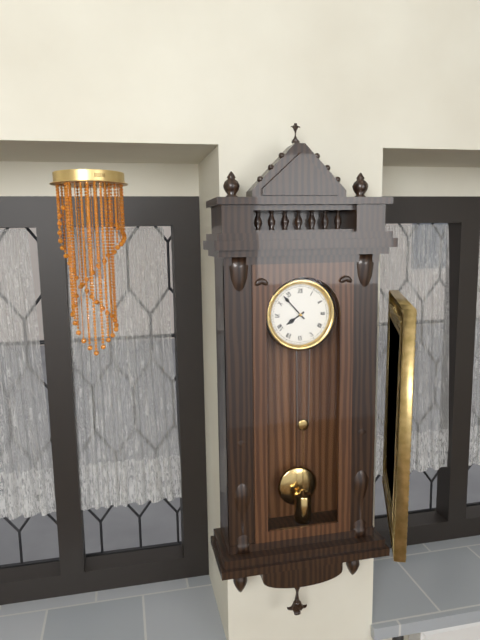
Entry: h=7 m=53
